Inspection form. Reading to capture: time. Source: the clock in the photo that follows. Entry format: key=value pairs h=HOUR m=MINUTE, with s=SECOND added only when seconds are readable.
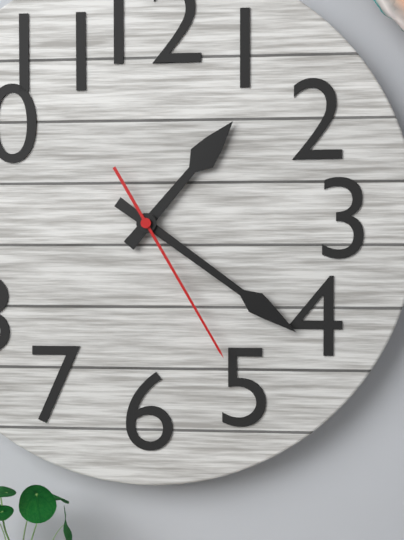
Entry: h=1 m=21 s=25
